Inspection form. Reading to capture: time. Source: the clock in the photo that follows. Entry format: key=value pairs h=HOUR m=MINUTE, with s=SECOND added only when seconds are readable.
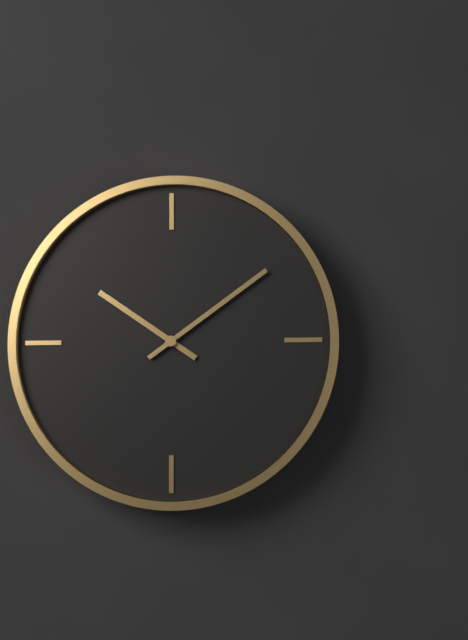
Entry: h=10 m=9
